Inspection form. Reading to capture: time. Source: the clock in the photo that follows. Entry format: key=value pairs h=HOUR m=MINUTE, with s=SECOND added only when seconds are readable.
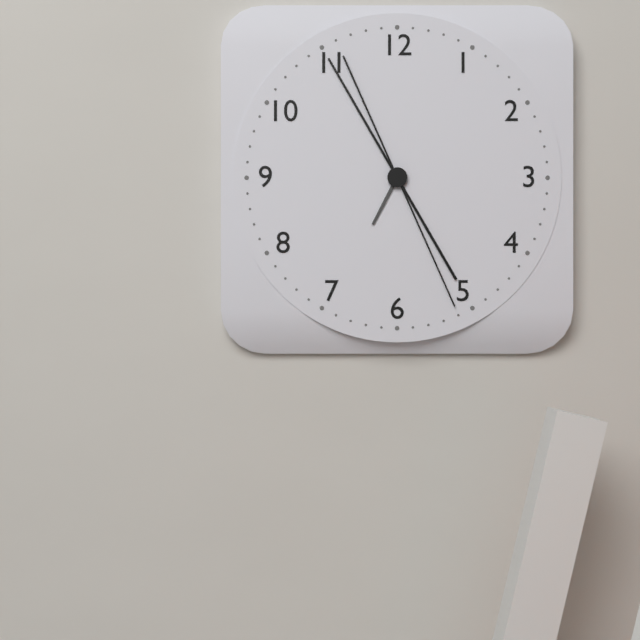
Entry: h=6 m=55 s=26
